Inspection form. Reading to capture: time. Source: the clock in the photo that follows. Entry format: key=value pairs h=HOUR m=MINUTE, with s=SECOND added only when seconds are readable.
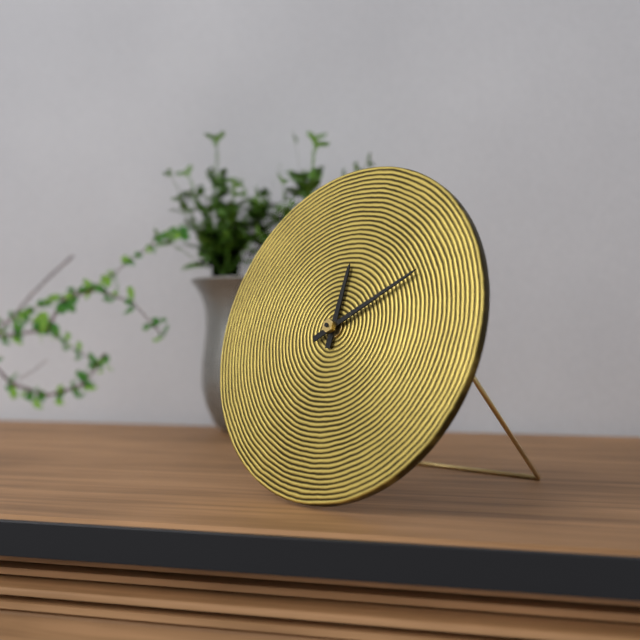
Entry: h=12 m=10
